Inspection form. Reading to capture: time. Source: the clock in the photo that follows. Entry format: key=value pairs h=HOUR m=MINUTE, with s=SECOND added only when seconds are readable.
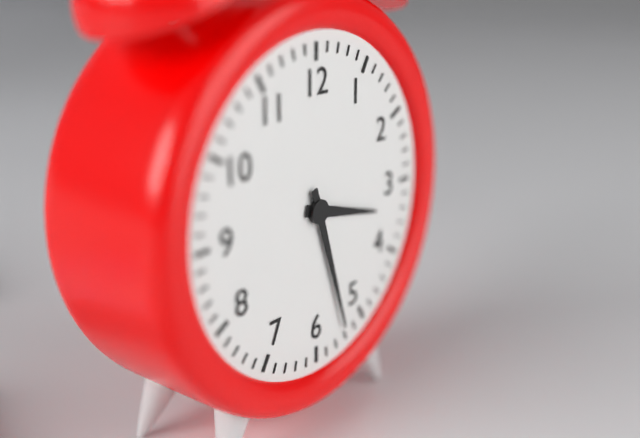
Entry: h=3 m=27
